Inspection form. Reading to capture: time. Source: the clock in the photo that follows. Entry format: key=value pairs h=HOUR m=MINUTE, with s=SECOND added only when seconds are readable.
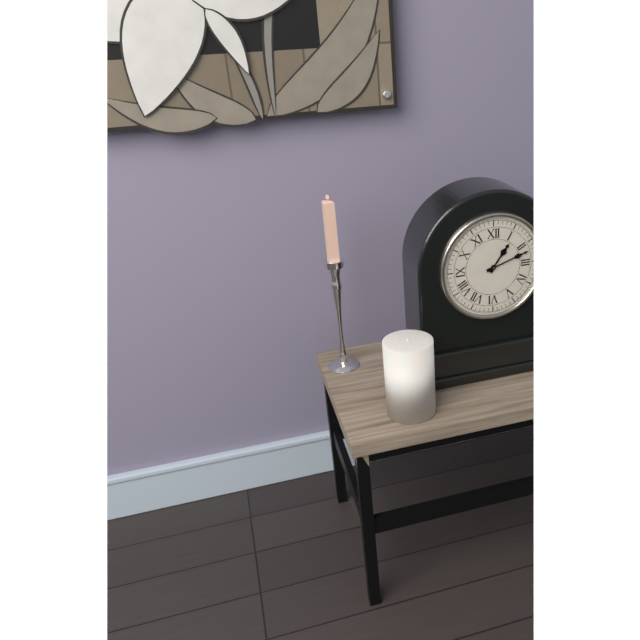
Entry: h=1 m=12
